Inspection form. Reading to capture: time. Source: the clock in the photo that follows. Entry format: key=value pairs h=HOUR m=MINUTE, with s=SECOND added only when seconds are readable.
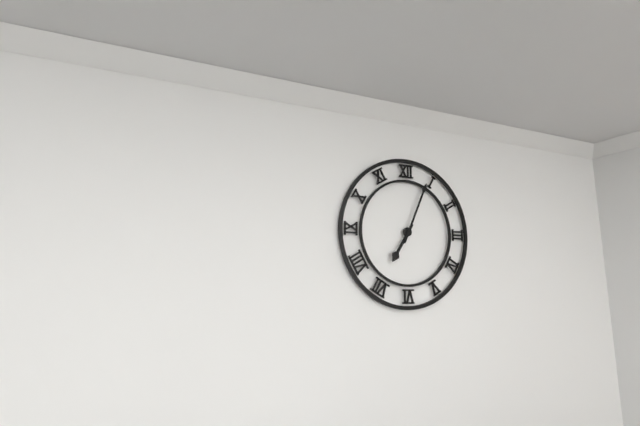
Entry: h=7 m=4
